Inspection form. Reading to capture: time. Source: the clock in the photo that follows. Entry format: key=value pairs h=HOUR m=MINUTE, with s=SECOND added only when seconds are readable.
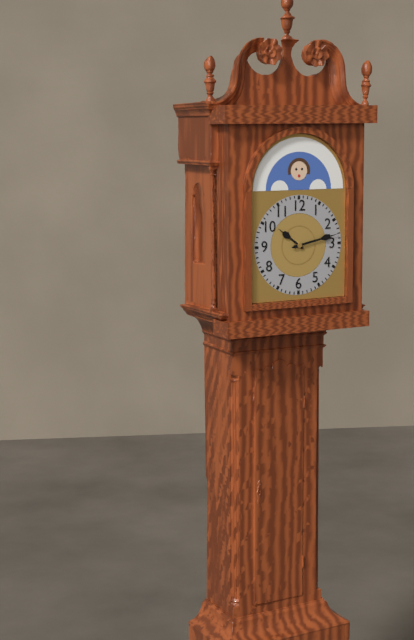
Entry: h=10 m=13
